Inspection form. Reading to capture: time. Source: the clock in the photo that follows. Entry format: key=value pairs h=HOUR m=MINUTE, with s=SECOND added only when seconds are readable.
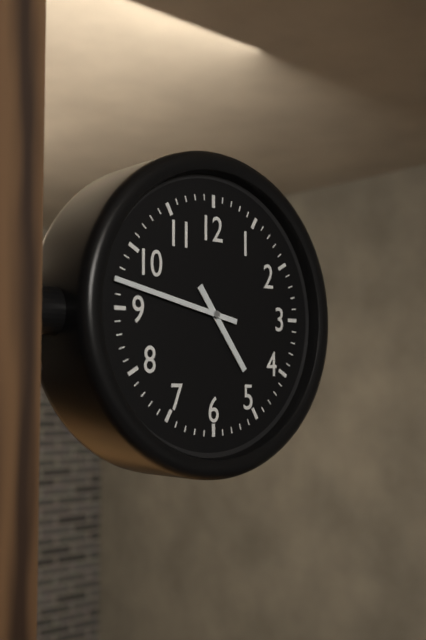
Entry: h=4 m=47
